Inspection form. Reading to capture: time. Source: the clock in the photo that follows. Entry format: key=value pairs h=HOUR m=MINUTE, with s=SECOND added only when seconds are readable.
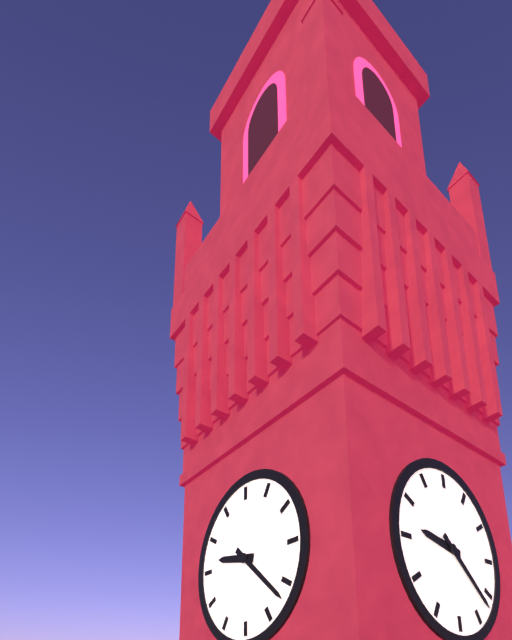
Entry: h=9 m=22
